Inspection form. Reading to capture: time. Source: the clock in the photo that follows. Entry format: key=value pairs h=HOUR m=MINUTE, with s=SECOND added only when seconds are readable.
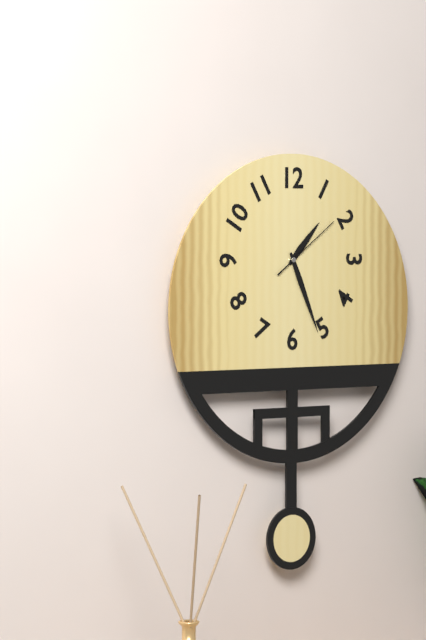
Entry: h=1 m=26 s=9
